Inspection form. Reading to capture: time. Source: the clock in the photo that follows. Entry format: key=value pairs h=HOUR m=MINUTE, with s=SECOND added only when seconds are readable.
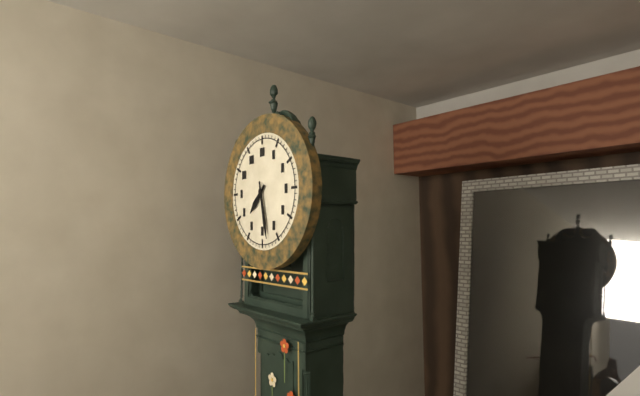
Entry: h=7 m=28
